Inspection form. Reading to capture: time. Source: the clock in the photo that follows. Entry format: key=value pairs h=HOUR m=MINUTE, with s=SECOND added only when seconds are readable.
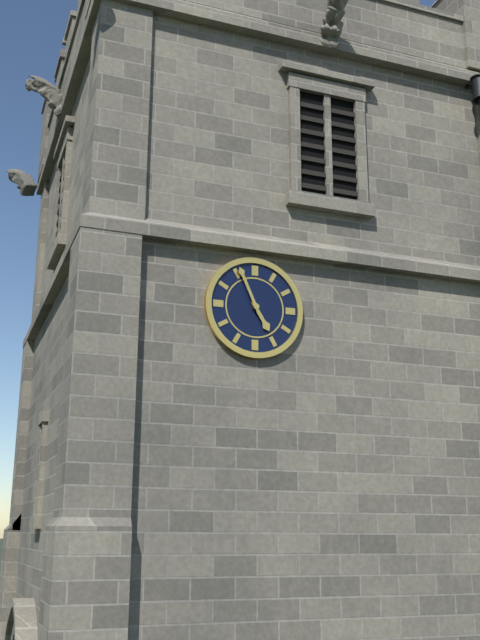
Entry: h=4 m=56
